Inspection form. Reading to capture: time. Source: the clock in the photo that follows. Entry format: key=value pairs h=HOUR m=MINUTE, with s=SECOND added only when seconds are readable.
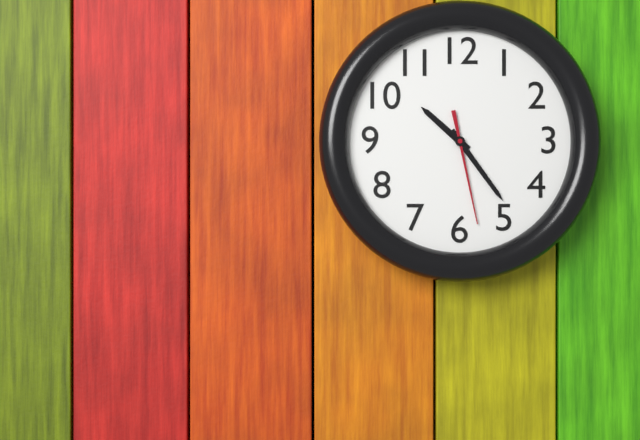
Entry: h=10 m=24 s=28
